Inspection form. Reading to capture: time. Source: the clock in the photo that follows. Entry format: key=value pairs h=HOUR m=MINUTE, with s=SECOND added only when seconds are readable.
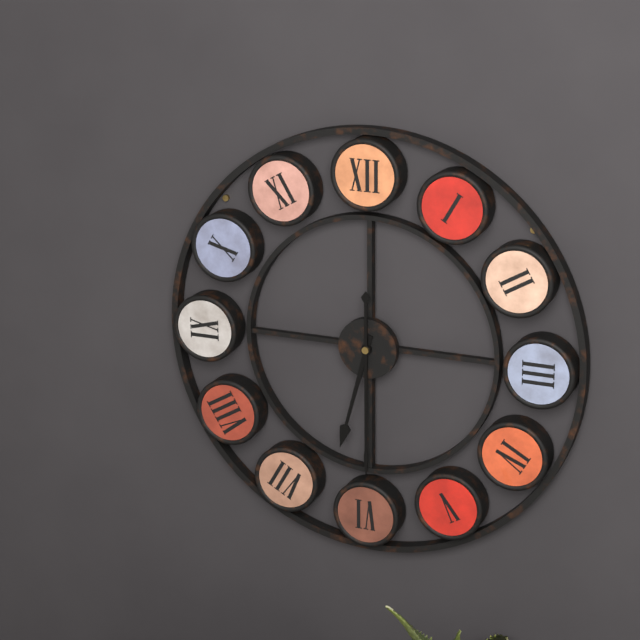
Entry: h=6 m=30
